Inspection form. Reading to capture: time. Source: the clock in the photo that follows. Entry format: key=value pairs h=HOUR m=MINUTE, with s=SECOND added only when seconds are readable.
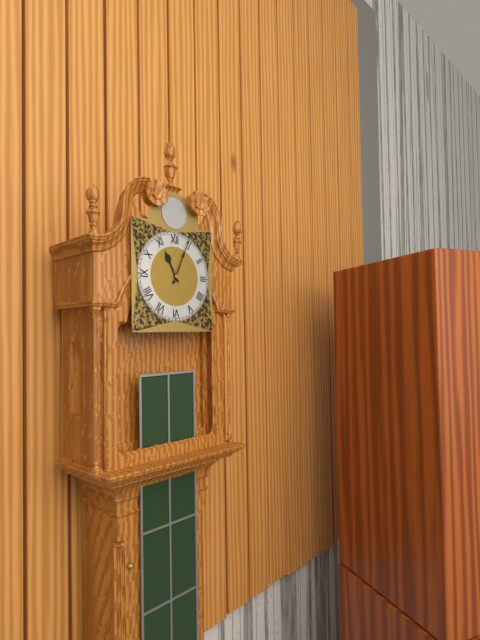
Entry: h=11 m=4
